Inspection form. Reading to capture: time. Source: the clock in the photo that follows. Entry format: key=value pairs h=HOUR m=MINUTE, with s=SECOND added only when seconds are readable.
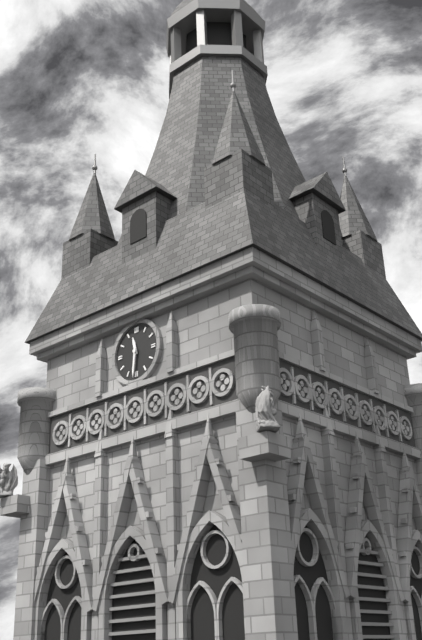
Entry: h=11 m=31
